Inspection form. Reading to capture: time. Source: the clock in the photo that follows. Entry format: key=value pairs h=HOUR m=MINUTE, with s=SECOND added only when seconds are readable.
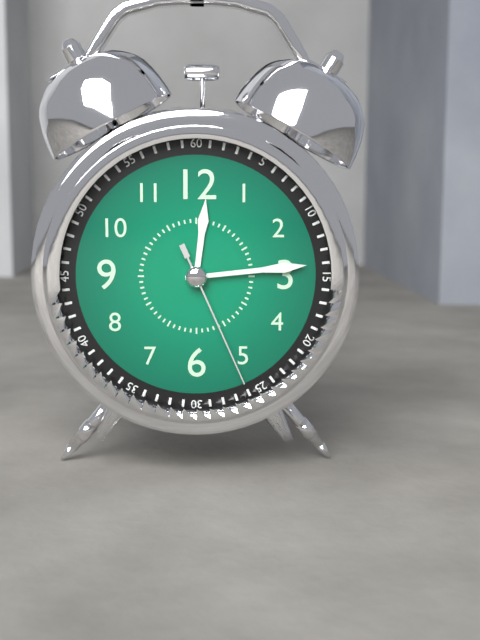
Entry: h=12 m=14 s=26
